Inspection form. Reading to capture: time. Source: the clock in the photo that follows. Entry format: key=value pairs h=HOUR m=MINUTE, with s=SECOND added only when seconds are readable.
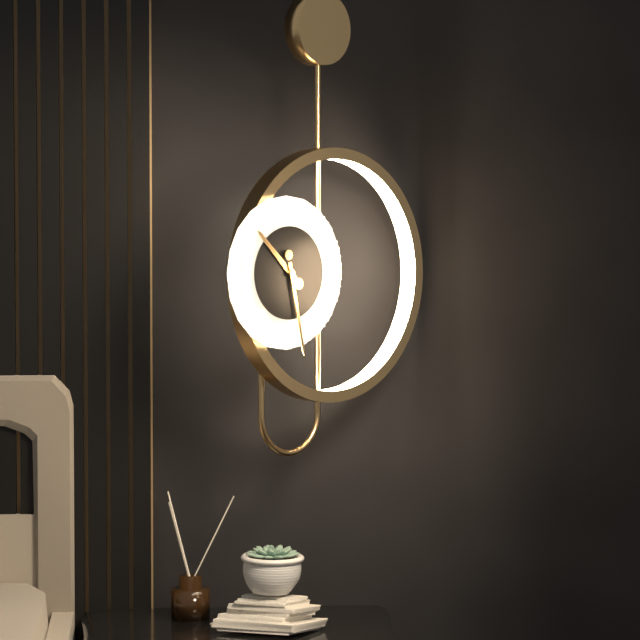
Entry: h=10 m=28
